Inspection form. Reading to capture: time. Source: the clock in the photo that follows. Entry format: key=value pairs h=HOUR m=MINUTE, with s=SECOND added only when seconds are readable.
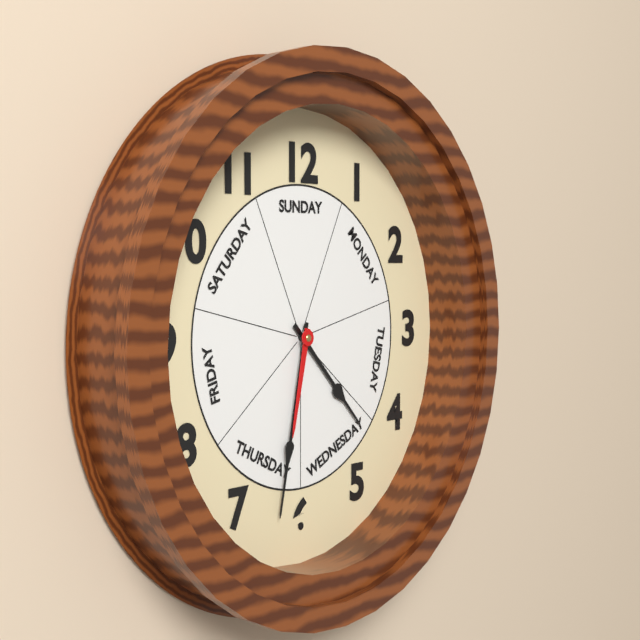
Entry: h=4 m=32 s=32
